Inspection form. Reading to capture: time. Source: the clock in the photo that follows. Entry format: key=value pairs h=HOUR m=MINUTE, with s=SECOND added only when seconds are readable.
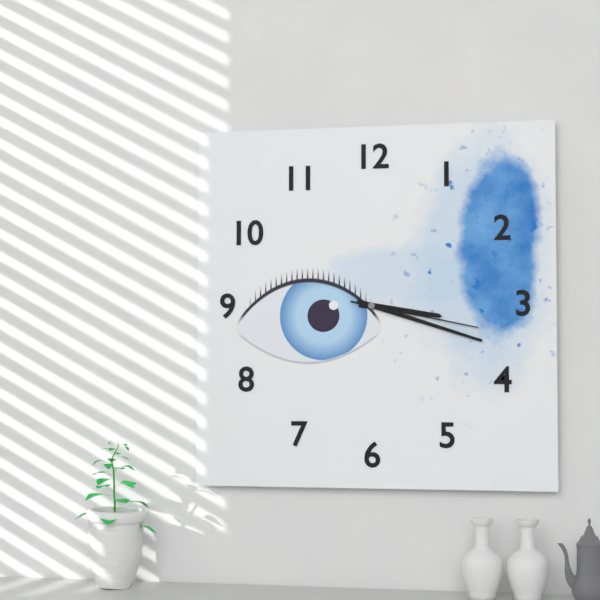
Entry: h=3 m=18 s=17
